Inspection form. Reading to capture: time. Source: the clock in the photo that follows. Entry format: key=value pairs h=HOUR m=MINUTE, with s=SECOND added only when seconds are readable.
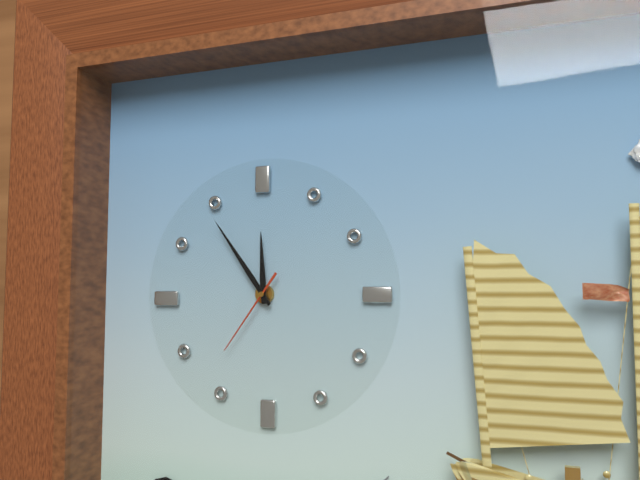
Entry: h=11 m=54 s=36
